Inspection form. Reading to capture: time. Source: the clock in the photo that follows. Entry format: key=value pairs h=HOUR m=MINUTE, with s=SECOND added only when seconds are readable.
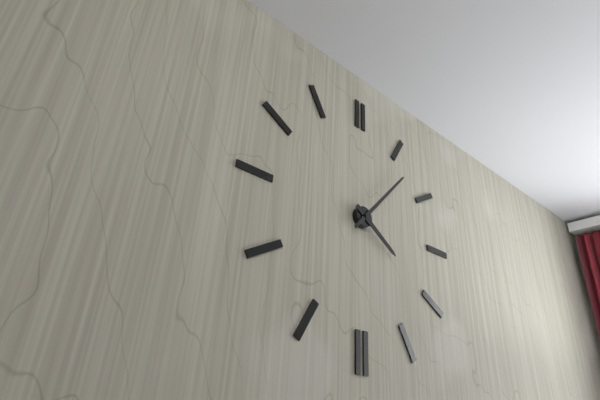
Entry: h=4 m=7
